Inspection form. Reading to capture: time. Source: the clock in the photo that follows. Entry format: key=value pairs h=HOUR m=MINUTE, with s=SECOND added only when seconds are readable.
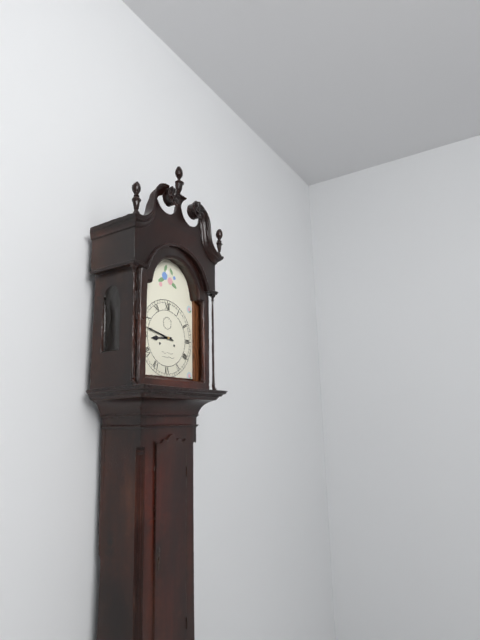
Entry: h=8 m=47
